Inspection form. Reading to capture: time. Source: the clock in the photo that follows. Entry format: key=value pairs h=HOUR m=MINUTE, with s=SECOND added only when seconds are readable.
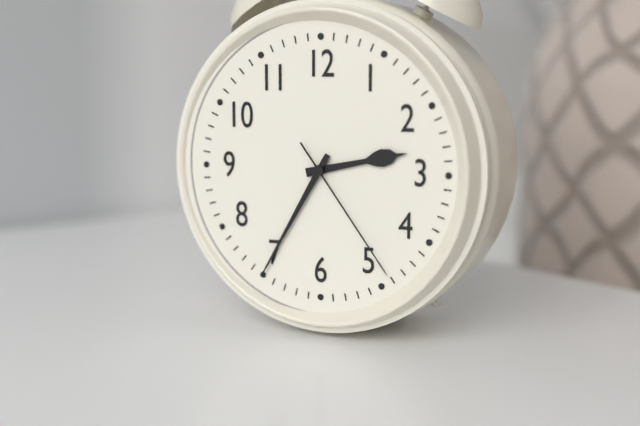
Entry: h=2 m=35 s=24
